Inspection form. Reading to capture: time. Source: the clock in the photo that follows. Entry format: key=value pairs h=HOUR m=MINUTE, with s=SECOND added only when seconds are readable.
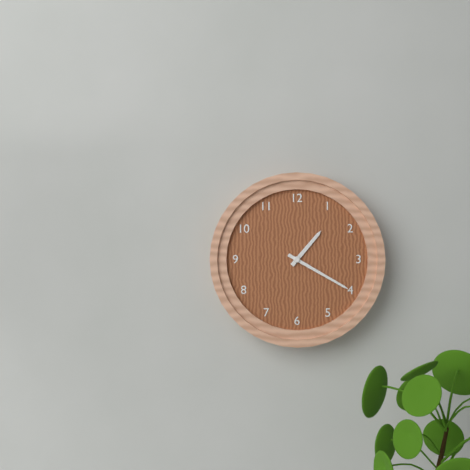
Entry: h=1 m=20
